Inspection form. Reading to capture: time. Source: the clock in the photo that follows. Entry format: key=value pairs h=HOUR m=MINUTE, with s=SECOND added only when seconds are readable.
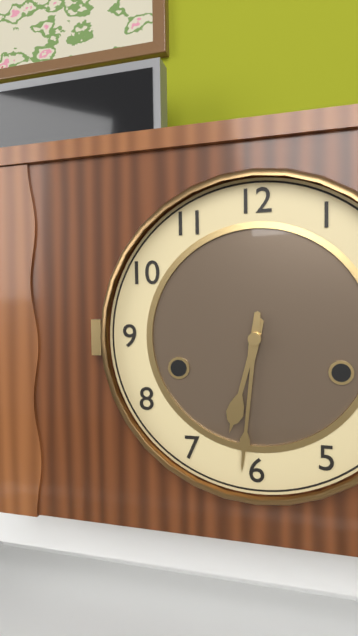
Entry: h=6 m=31
